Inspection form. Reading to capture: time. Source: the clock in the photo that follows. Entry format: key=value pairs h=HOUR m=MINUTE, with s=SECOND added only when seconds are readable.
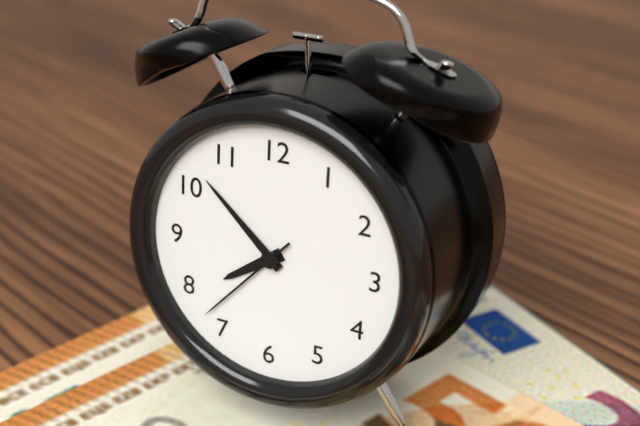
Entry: h=7 m=52 s=37
